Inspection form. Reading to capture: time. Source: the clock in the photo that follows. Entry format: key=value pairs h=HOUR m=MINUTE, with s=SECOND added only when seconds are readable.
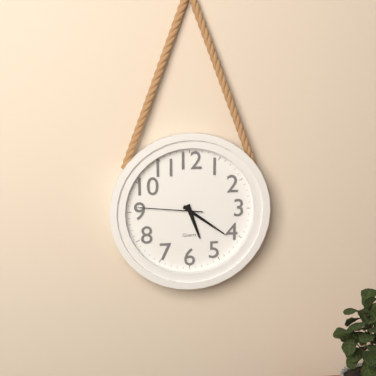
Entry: h=5 m=21 s=46
